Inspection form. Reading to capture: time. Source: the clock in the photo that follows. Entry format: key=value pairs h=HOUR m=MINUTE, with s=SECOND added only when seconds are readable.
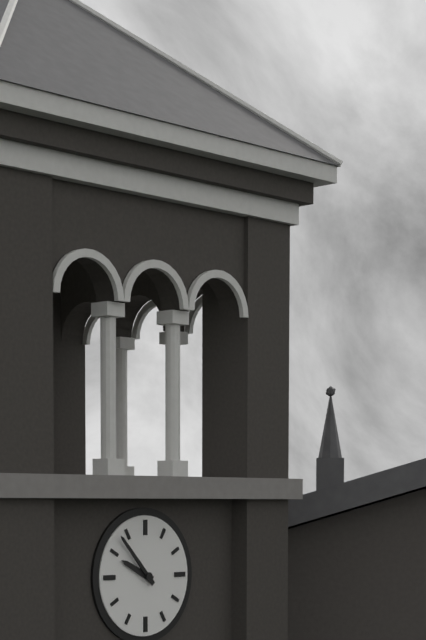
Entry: h=9 m=53
